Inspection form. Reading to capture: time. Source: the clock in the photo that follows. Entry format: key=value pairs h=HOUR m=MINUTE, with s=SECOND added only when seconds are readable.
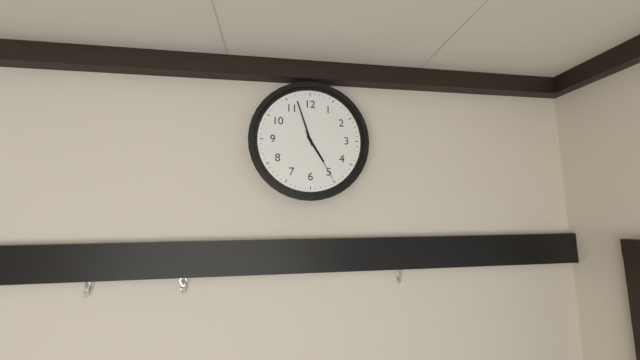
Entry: h=4 m=57 s=25
